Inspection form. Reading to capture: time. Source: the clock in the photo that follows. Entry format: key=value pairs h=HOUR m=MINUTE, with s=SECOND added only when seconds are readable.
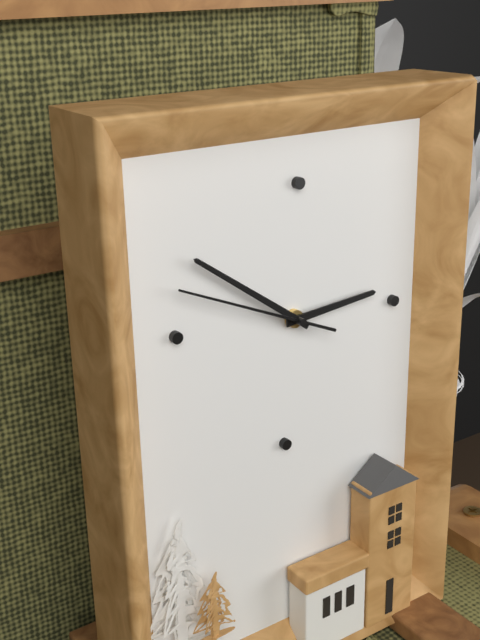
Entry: h=2 m=51 s=49
